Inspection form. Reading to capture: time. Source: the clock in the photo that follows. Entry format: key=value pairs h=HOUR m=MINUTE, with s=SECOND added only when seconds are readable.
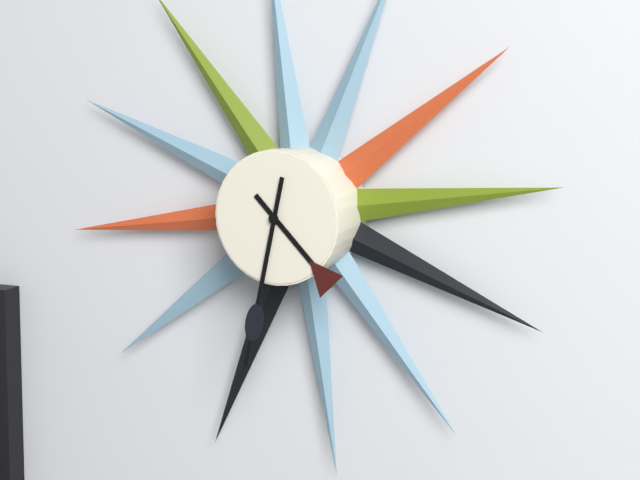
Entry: h=4 m=32
